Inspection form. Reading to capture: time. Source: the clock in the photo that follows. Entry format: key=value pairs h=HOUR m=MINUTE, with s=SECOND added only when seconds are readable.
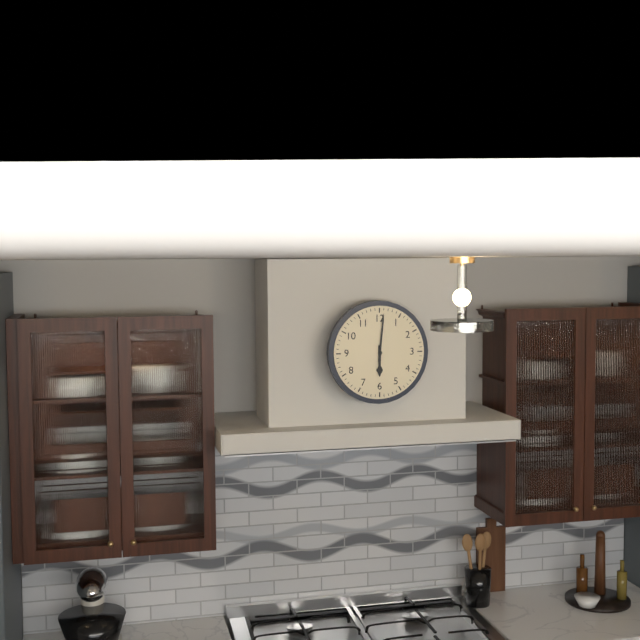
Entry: h=6 m=1
